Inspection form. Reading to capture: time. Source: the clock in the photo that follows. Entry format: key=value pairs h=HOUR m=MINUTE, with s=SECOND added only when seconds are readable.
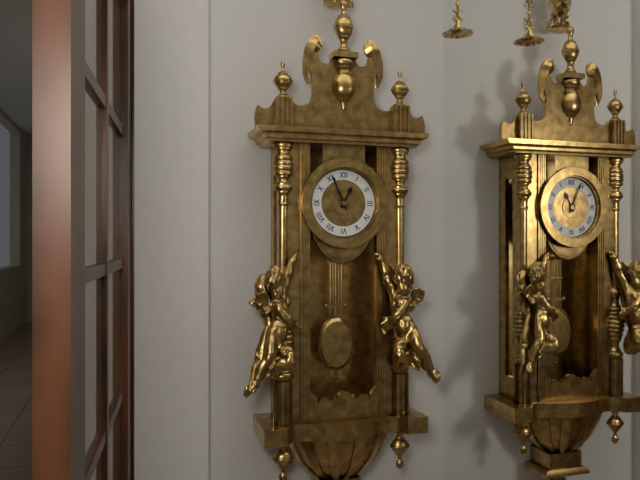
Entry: h=12 m=56
